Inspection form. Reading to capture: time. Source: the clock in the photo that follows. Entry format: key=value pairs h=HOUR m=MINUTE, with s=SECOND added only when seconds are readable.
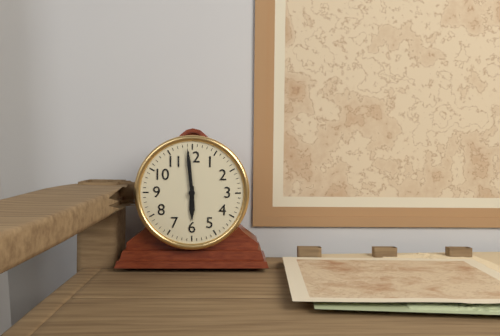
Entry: h=5 m=59
